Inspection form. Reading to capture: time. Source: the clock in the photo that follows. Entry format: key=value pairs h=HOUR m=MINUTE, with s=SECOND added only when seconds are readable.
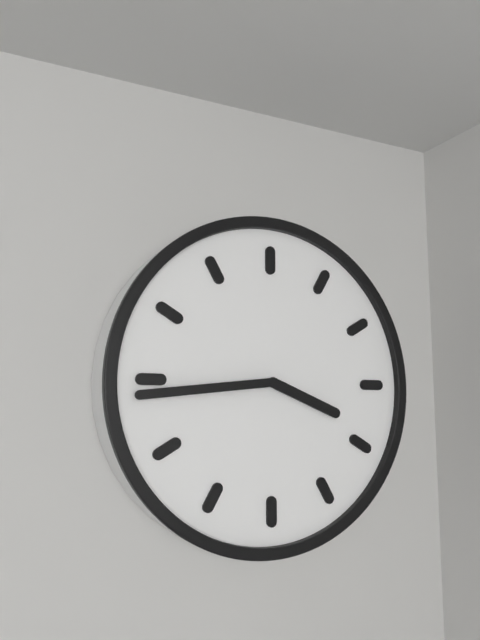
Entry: h=3 m=44
